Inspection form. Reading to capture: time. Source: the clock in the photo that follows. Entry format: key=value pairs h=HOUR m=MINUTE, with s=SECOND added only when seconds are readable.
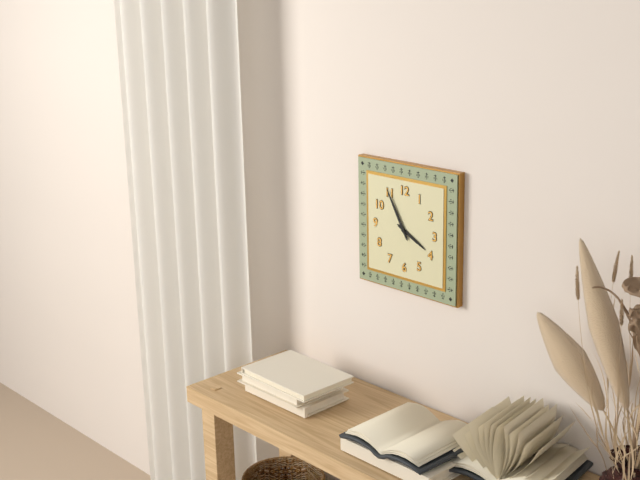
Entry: h=3 m=55
